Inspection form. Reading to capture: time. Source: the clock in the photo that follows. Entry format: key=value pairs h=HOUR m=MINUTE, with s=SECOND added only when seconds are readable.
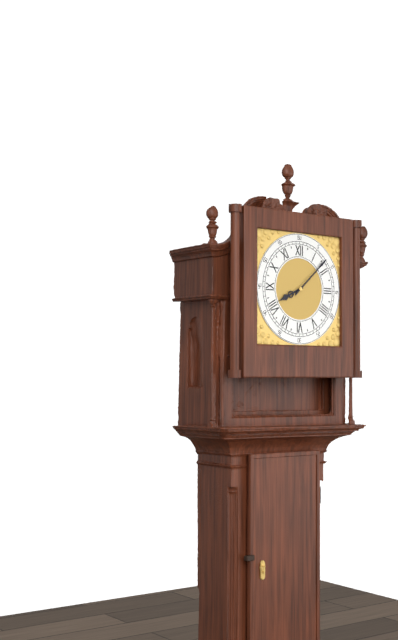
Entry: h=8 m=8
